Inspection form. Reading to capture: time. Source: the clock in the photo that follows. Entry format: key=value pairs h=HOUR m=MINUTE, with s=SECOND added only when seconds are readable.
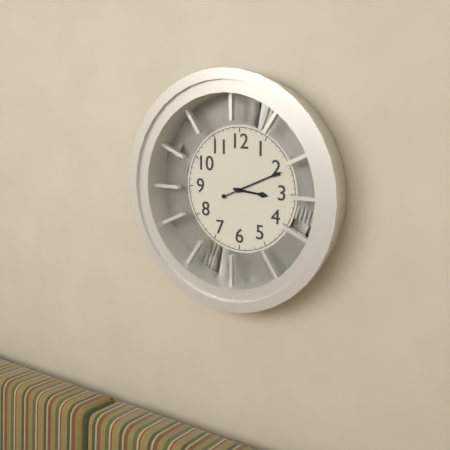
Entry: h=3 m=11
